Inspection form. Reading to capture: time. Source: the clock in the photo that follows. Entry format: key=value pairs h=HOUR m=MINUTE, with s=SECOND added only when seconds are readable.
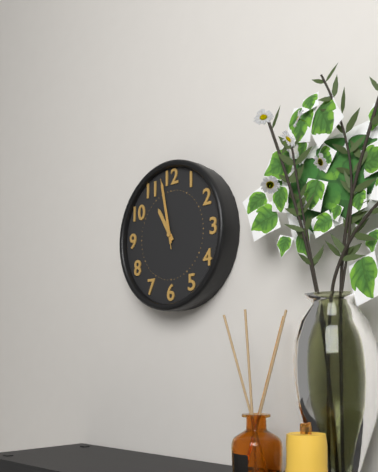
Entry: h=10 m=58 s=58
